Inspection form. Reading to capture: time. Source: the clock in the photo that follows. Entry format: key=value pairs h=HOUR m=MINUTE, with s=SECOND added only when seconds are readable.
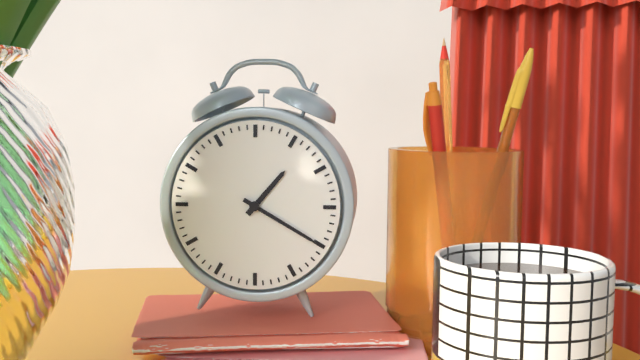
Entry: h=1 m=20
